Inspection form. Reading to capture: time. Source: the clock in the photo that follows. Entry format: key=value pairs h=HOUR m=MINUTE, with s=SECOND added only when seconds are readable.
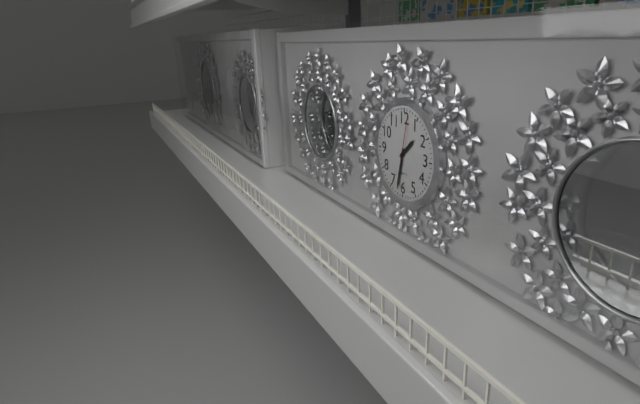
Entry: h=1 m=32 s=2
